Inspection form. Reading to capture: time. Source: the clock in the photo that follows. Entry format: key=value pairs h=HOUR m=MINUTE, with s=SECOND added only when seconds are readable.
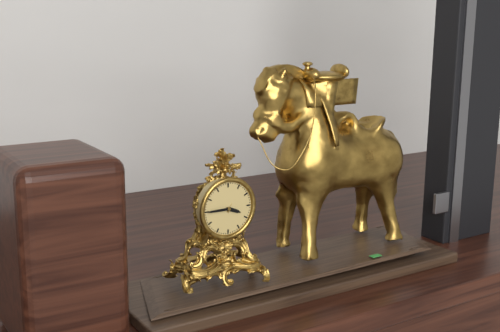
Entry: h=3 m=45
